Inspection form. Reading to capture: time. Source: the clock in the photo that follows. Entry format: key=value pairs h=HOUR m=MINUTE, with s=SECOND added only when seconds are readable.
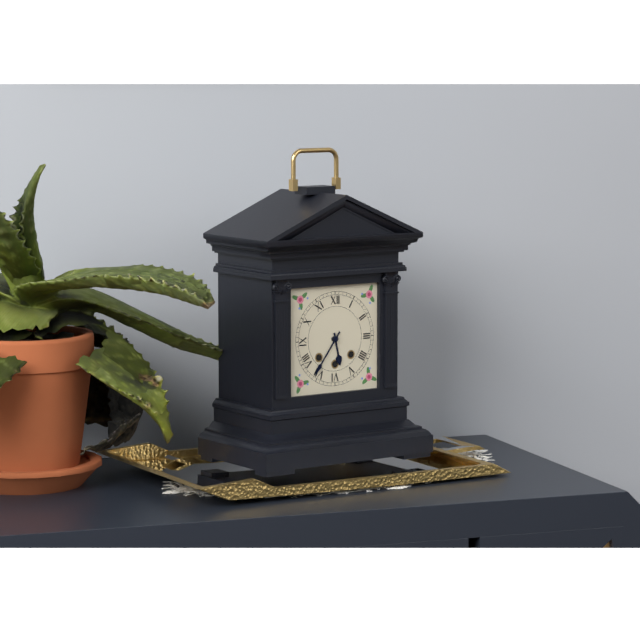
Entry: h=5 m=36
